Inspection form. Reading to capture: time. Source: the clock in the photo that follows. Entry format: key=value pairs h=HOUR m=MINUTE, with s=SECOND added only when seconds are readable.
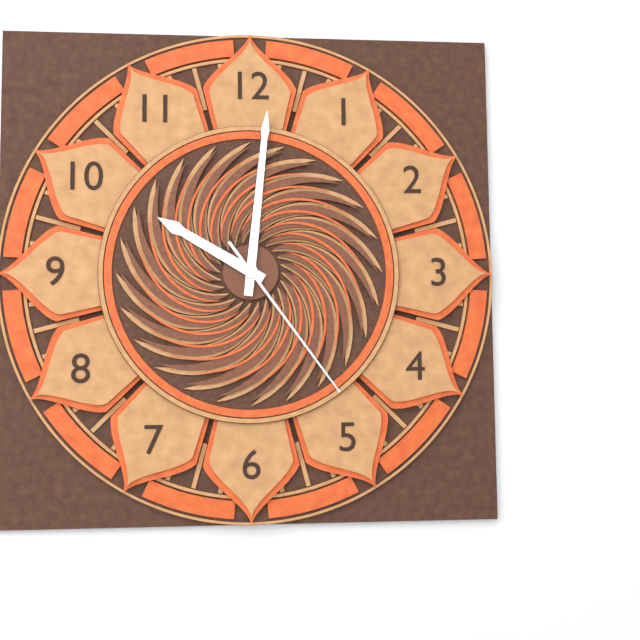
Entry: h=10 m=1 s=24
